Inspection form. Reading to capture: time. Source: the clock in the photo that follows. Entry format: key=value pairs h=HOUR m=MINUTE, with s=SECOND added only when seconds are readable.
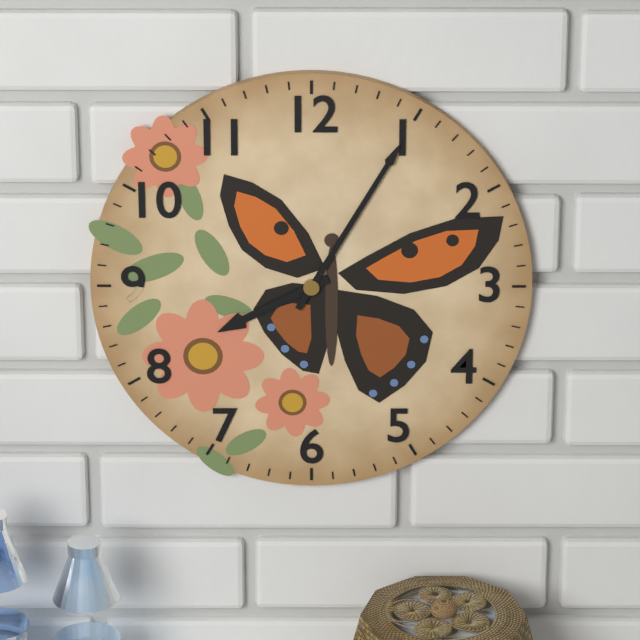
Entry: h=8 m=5
